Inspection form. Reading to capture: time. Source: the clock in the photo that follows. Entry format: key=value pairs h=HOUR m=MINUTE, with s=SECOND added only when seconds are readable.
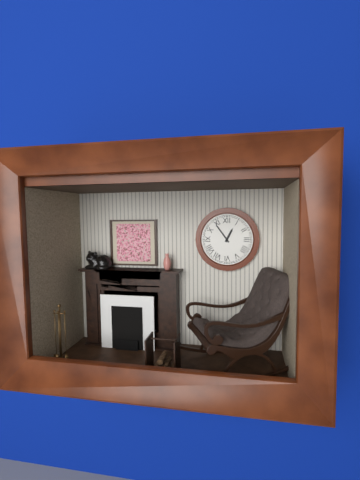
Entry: h=12 m=54
